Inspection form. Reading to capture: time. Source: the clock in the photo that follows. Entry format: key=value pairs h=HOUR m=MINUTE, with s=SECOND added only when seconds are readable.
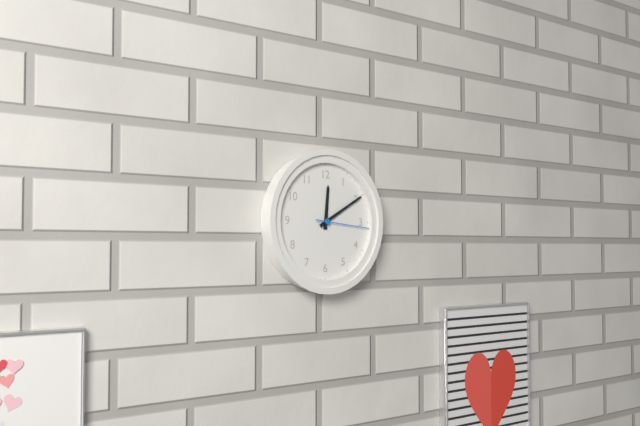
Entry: h=12 m=10 s=16
